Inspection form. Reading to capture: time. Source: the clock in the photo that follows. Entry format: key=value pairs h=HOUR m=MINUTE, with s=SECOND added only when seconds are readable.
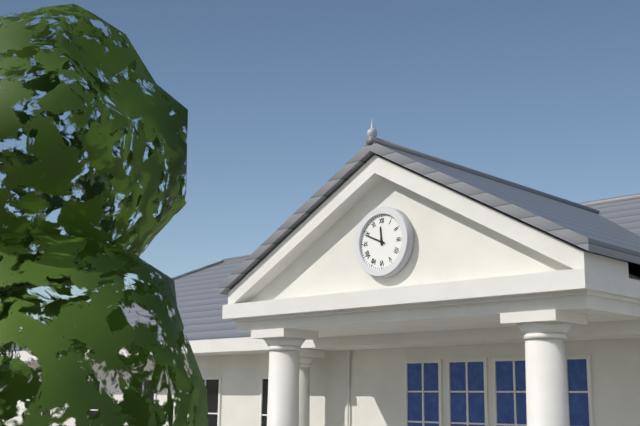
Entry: h=11 m=49
